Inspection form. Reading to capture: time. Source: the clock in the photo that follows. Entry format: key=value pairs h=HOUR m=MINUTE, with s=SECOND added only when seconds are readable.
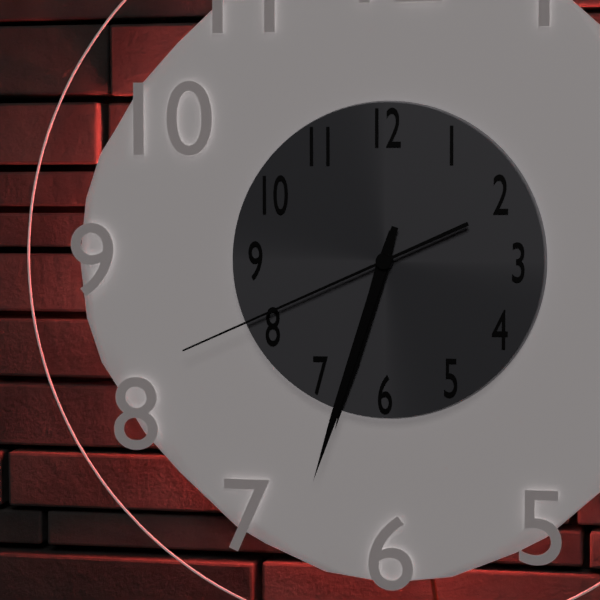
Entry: h=6 m=33 s=41
